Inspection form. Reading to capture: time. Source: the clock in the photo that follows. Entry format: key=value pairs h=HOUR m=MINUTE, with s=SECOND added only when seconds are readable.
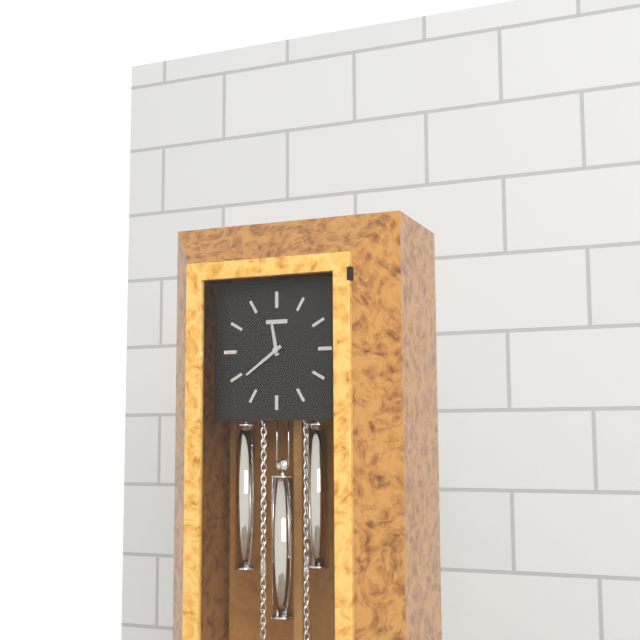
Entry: h=11 m=39
